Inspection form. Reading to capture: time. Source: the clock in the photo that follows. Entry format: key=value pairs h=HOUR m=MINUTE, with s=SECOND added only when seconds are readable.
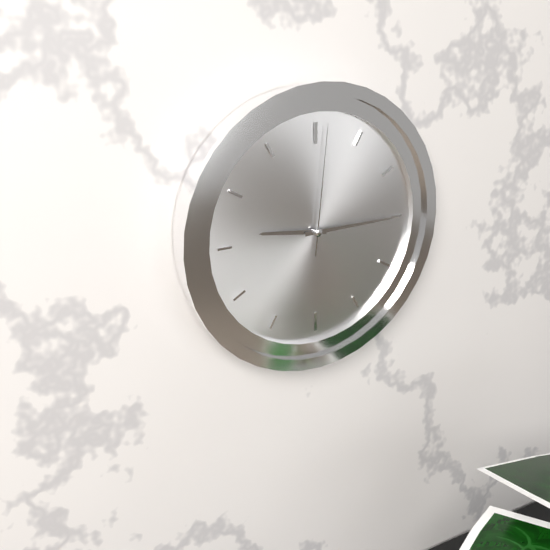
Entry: h=9 m=15 s=1
